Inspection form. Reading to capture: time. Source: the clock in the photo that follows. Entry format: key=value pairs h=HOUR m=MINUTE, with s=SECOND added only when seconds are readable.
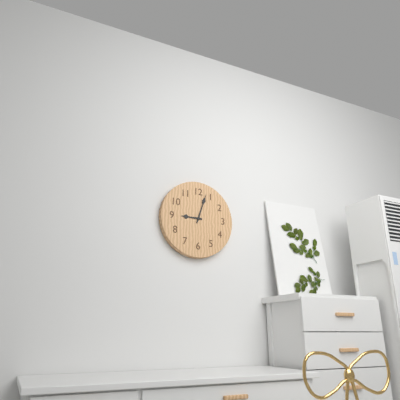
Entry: h=9 m=3
